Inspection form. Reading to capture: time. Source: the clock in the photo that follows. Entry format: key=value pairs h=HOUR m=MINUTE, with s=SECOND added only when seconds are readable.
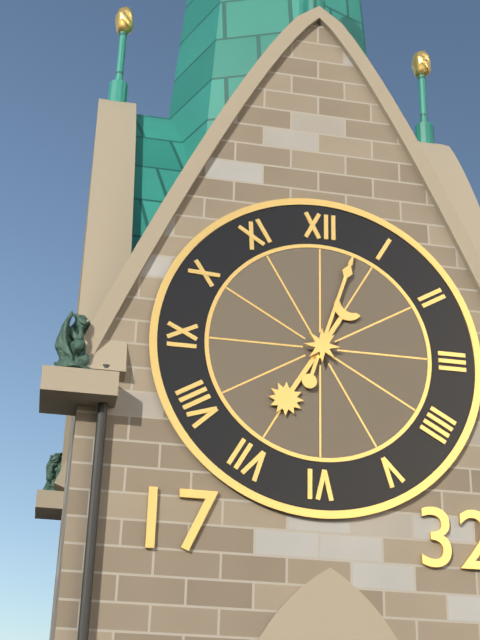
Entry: h=7 m=3
